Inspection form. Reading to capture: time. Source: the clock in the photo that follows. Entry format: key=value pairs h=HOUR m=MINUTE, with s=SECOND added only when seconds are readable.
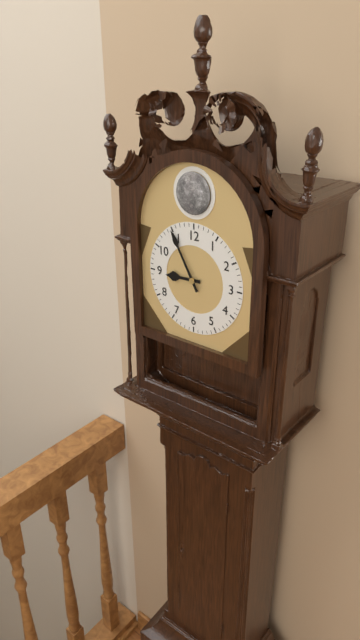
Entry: h=8 m=55
